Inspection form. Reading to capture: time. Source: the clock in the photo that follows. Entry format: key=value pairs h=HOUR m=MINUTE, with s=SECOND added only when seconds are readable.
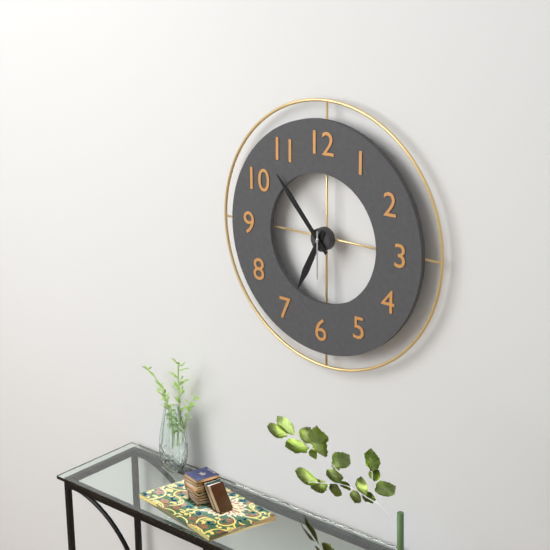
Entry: h=6 m=53
